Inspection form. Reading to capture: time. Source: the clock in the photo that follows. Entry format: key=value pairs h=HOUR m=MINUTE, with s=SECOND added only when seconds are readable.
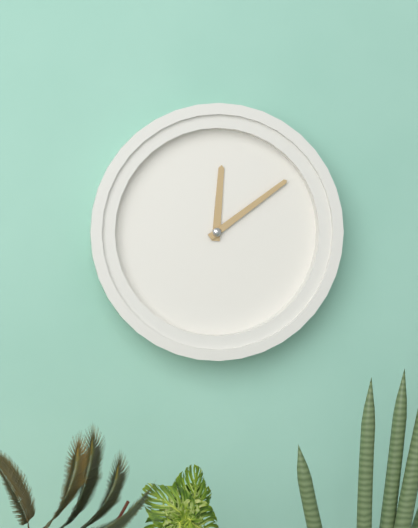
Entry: h=12 m=9
